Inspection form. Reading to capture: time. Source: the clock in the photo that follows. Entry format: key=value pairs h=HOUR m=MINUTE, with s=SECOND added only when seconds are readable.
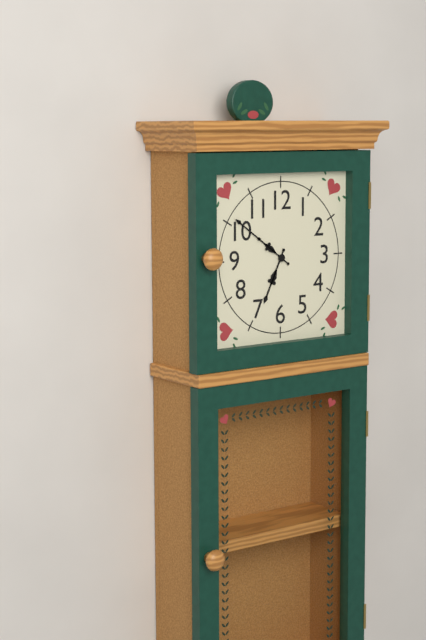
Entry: h=6 m=51
